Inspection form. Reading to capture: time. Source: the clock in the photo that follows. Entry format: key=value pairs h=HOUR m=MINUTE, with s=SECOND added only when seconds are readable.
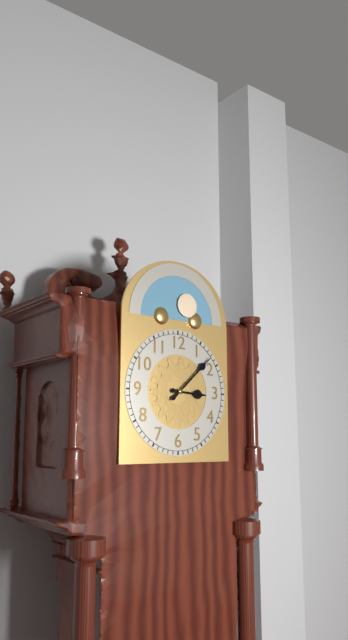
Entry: h=3 m=8
